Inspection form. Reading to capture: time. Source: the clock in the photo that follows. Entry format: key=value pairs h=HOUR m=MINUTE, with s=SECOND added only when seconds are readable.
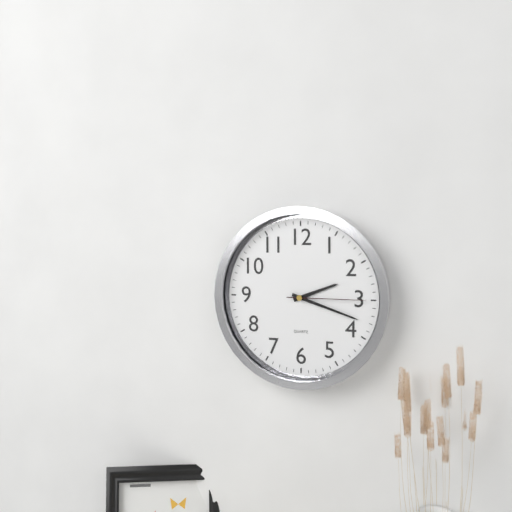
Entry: h=2 m=18 s=15
